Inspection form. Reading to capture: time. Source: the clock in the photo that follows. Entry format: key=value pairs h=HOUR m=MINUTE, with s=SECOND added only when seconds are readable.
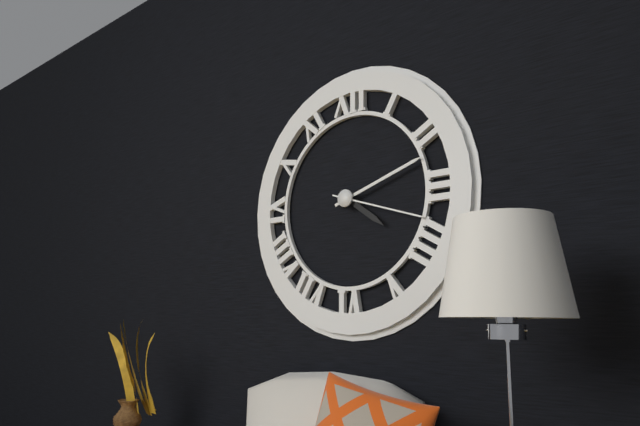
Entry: h=4 m=12 s=18
